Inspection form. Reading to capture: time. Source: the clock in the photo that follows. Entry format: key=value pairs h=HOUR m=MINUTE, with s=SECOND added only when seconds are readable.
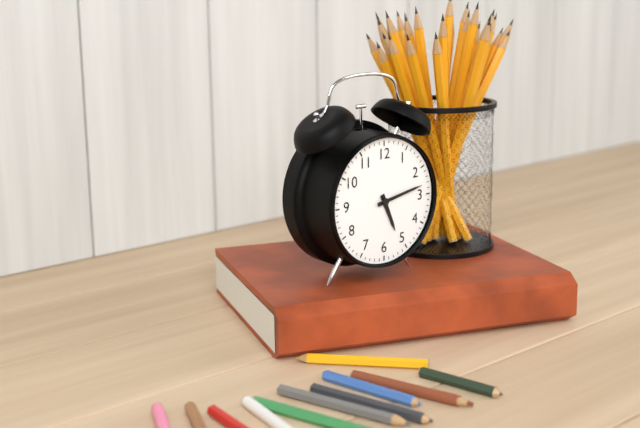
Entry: h=5 m=13
